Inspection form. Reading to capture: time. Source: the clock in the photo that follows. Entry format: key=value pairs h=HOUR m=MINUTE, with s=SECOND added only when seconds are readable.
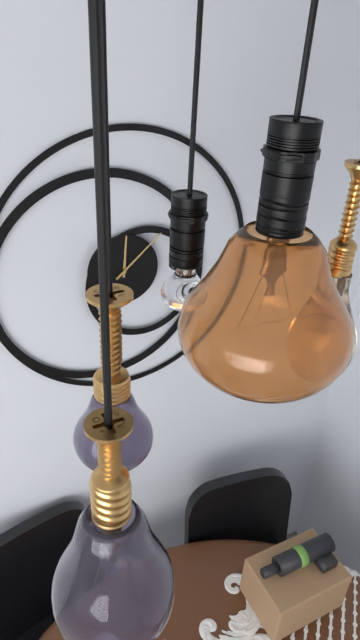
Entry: h=12 m=8
